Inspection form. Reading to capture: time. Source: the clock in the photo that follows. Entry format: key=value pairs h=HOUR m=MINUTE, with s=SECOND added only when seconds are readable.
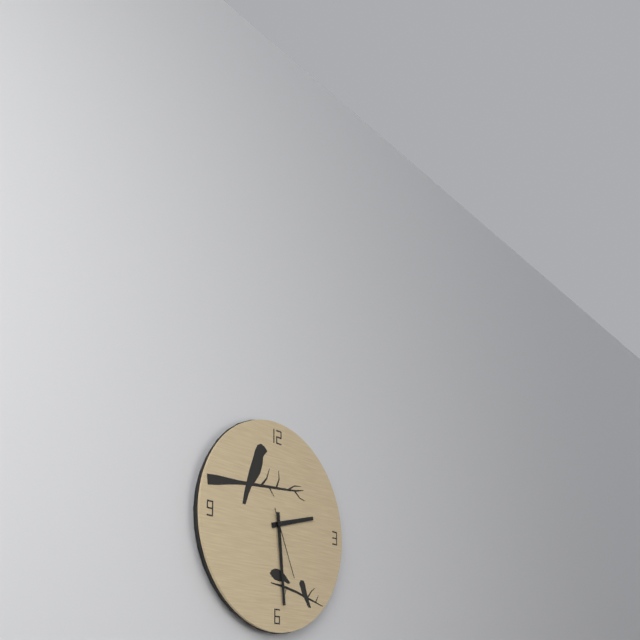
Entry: h=2 m=29 s=26
